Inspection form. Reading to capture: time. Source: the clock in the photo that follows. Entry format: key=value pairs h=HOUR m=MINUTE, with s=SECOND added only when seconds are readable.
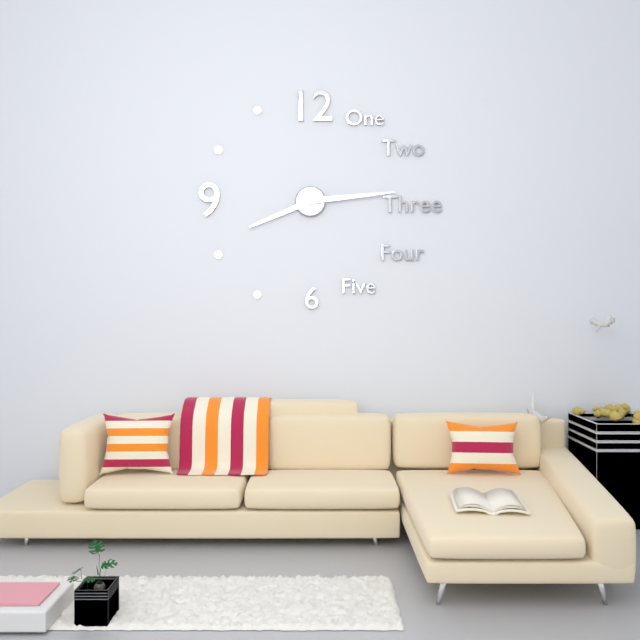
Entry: h=8 m=14
